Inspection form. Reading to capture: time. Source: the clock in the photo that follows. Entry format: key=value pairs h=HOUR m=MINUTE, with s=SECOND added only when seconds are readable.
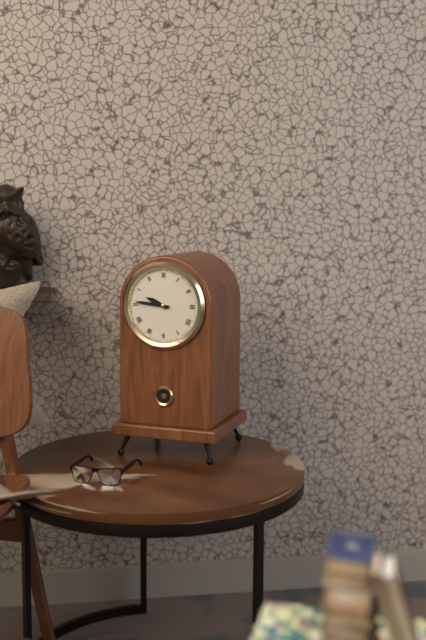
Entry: h=9 m=46
